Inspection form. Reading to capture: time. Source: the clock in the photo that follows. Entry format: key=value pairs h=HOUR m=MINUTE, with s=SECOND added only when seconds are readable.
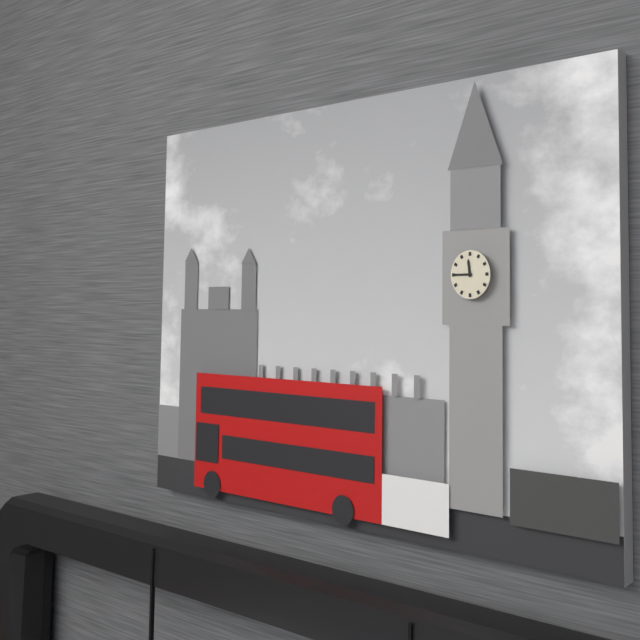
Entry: h=11 m=45
